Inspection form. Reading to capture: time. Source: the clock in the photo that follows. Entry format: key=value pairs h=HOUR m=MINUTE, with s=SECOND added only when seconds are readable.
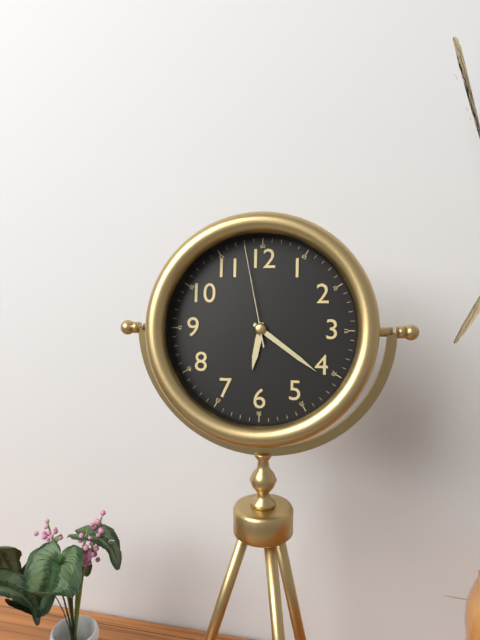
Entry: h=6 m=21 s=58
